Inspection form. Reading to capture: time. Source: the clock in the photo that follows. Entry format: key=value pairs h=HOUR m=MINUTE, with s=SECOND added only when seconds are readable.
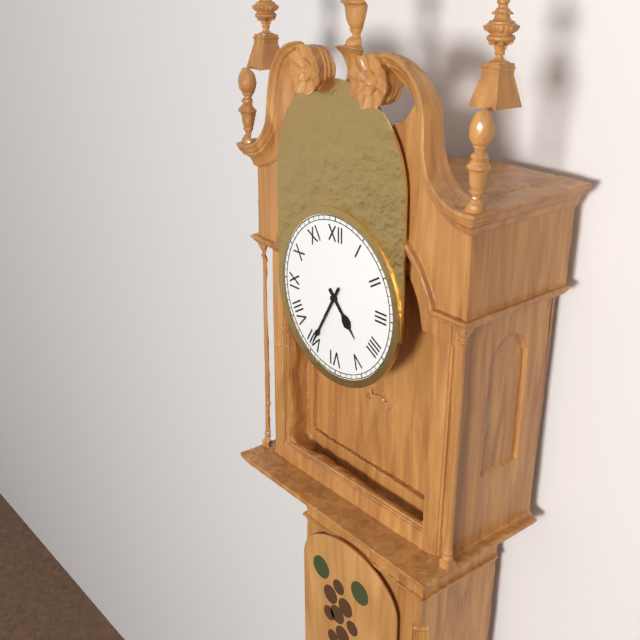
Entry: h=4 m=35
